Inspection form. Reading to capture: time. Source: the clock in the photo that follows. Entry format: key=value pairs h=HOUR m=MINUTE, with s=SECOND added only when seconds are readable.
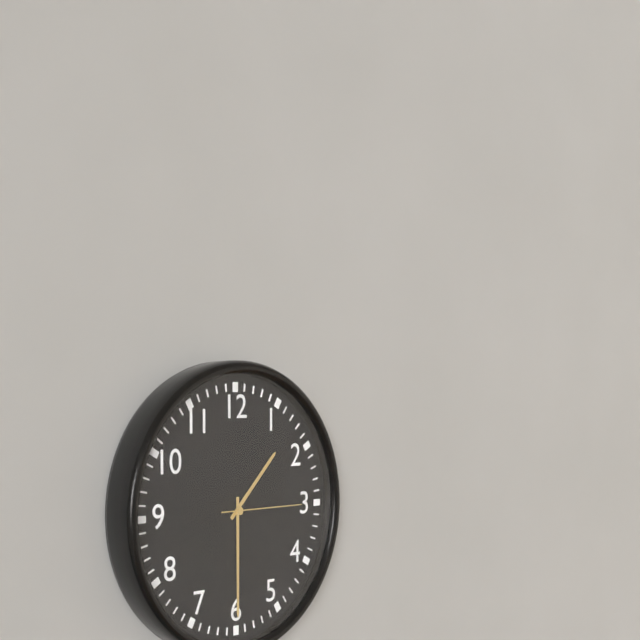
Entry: h=1 m=30 s=15
